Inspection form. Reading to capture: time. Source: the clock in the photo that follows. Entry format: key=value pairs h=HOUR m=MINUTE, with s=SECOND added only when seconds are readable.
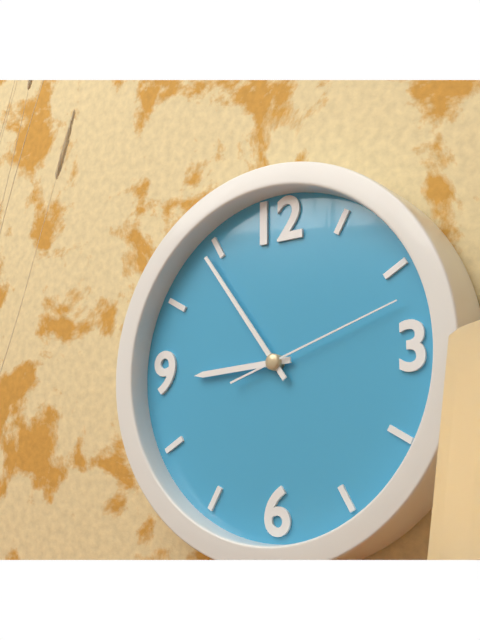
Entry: h=8 m=54 s=12
